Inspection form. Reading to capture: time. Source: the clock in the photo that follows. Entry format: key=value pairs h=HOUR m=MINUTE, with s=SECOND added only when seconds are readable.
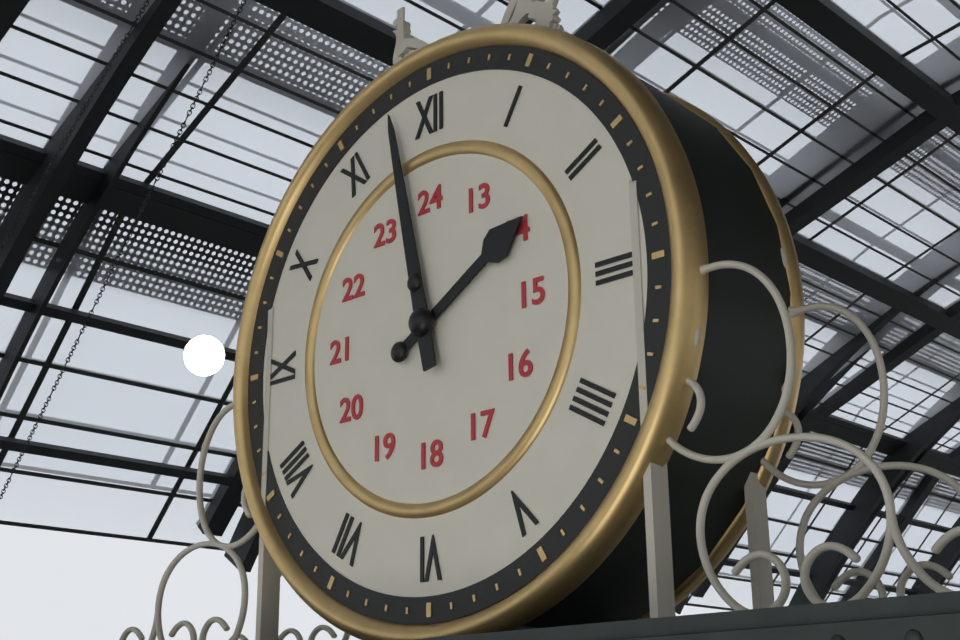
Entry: h=1 m=58
